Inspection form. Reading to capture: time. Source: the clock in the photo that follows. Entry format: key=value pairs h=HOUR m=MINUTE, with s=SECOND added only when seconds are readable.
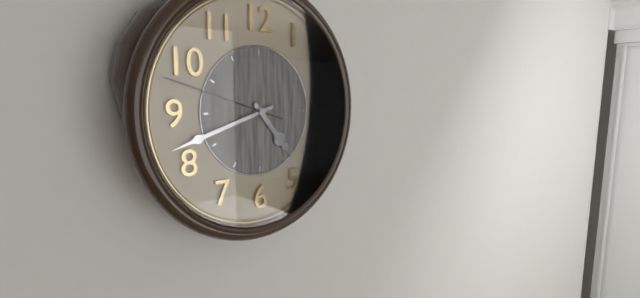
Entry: h=4 m=42 s=48
